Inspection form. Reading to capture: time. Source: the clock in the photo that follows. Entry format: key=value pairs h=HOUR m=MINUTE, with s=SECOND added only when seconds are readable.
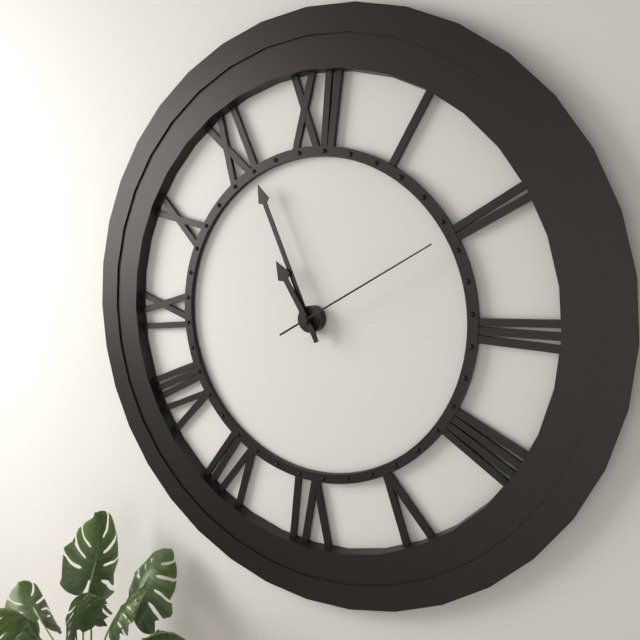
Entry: h=10 m=56 s=10
